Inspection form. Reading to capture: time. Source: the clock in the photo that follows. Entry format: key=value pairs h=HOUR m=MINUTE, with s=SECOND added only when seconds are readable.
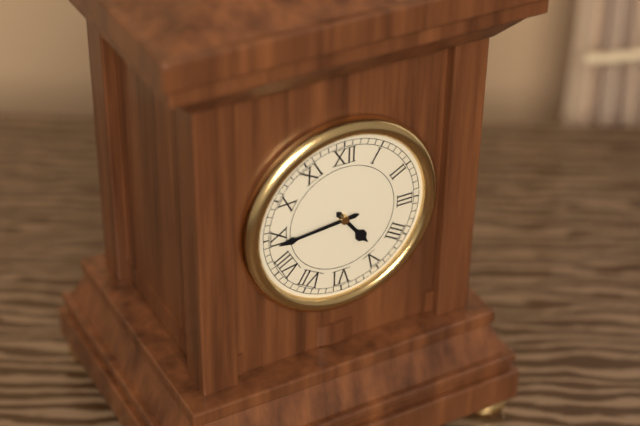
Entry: h=4 m=44
